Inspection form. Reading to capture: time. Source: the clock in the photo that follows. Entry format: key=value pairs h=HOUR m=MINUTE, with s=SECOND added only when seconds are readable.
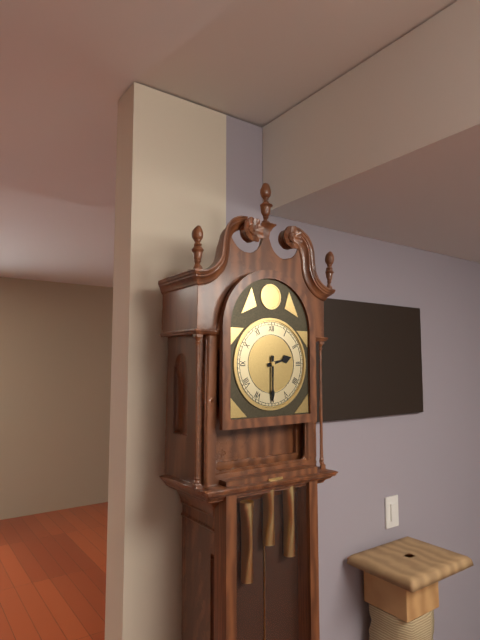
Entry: h=2 m=30
